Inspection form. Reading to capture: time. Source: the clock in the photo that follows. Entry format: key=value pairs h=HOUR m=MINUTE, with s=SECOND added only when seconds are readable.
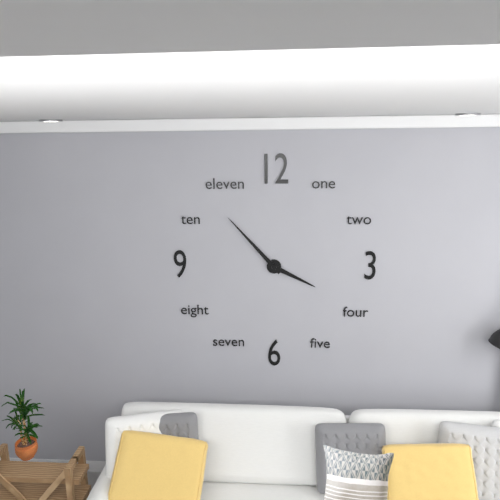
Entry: h=3 m=53
